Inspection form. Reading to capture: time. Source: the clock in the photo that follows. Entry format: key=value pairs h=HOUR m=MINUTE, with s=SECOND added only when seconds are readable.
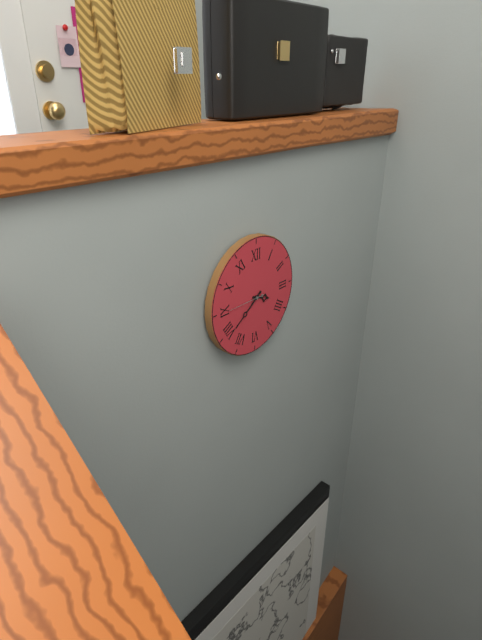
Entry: h=3 m=39
